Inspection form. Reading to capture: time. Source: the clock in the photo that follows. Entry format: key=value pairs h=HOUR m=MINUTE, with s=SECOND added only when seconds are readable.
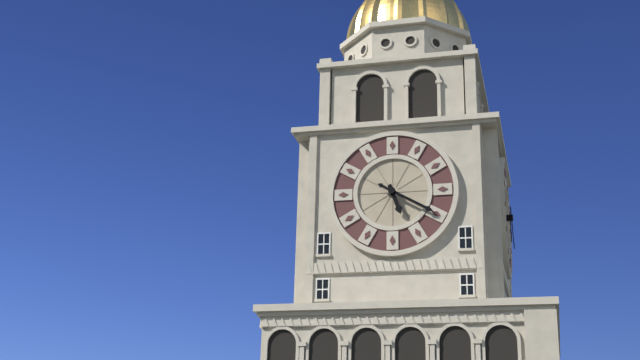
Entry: h=5 m=20
